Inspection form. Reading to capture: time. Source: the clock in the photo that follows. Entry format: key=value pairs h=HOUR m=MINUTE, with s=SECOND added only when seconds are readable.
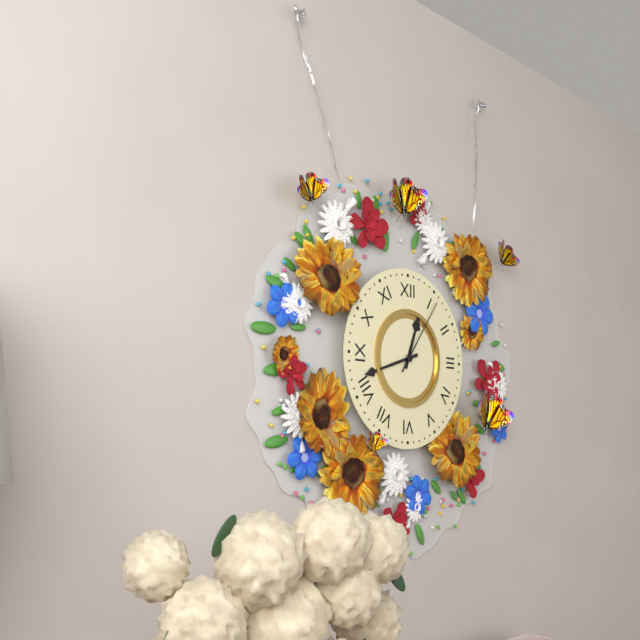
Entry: h=12 m=42 s=6
